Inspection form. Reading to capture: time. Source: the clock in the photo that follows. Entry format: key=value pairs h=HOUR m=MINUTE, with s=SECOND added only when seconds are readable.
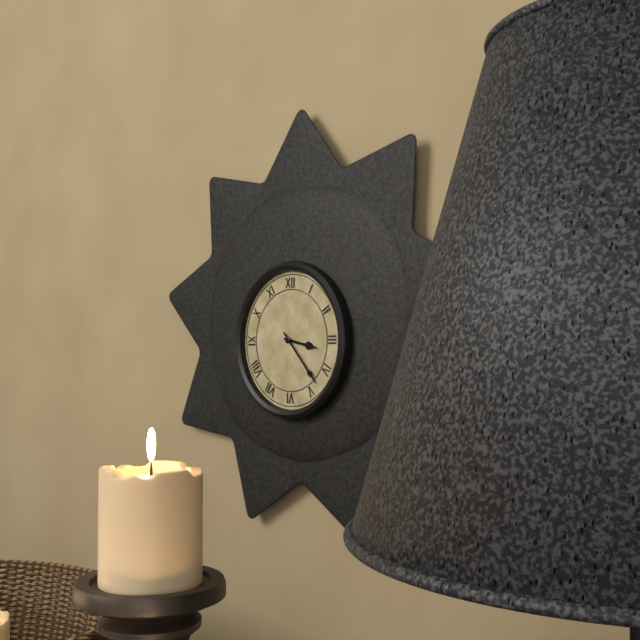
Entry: h=3 m=23
